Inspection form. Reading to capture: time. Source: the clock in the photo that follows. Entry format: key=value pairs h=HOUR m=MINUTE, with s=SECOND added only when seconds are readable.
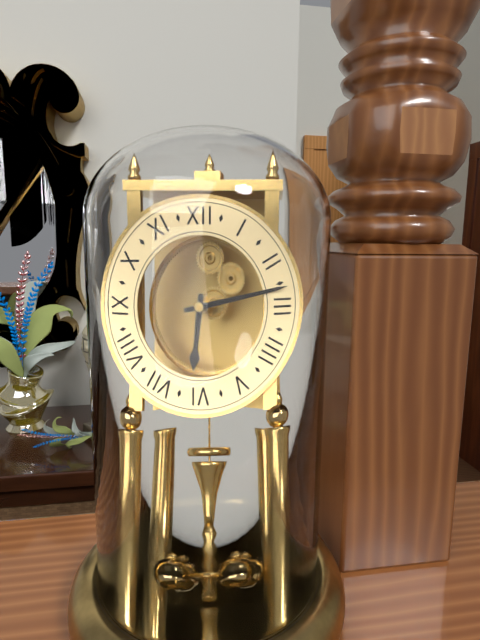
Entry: h=6 m=13
